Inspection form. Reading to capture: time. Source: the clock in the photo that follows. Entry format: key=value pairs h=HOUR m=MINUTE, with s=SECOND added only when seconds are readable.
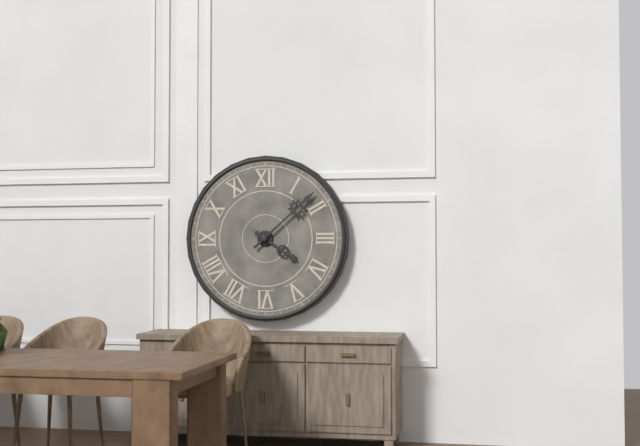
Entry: h=4 m=8
